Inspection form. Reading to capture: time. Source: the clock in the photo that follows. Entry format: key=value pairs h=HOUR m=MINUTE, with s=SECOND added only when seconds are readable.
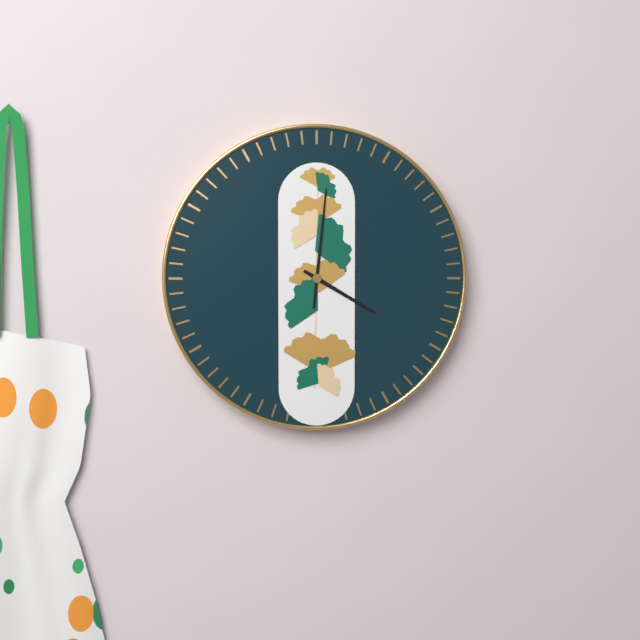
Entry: h=4 m=1
